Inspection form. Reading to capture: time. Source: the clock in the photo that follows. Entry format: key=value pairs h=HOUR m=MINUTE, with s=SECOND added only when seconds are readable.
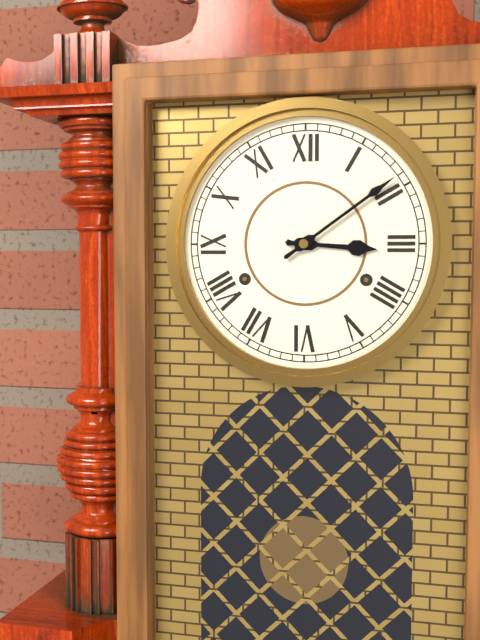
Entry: h=3 m=9
